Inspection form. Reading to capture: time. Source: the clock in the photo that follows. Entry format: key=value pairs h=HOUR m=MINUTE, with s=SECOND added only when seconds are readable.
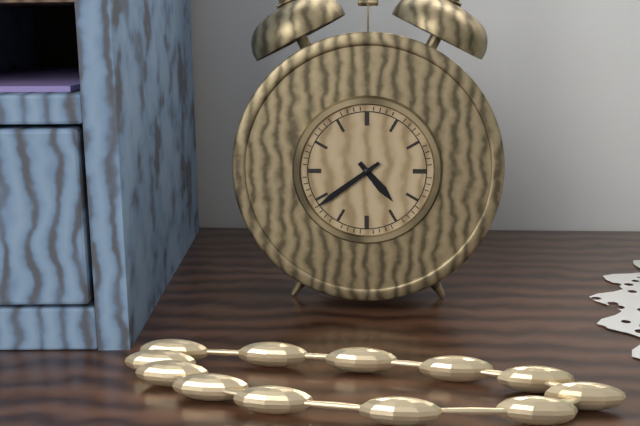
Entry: h=4 m=39
